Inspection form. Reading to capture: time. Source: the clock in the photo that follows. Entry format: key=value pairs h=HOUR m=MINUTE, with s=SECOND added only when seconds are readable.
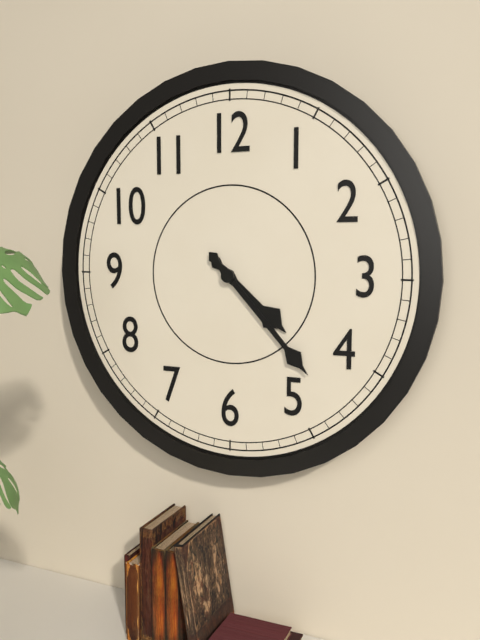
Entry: h=4 m=23
